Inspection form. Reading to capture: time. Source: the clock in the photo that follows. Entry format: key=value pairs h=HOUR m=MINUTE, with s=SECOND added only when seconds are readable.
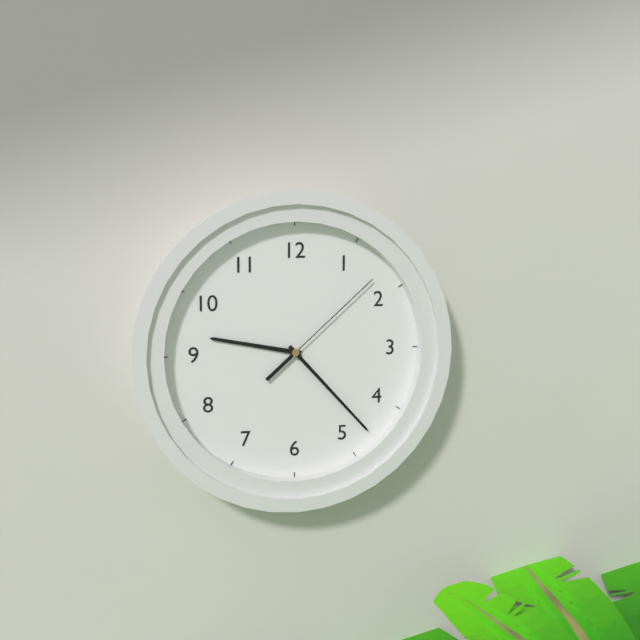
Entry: h=9 m=23 s=8
